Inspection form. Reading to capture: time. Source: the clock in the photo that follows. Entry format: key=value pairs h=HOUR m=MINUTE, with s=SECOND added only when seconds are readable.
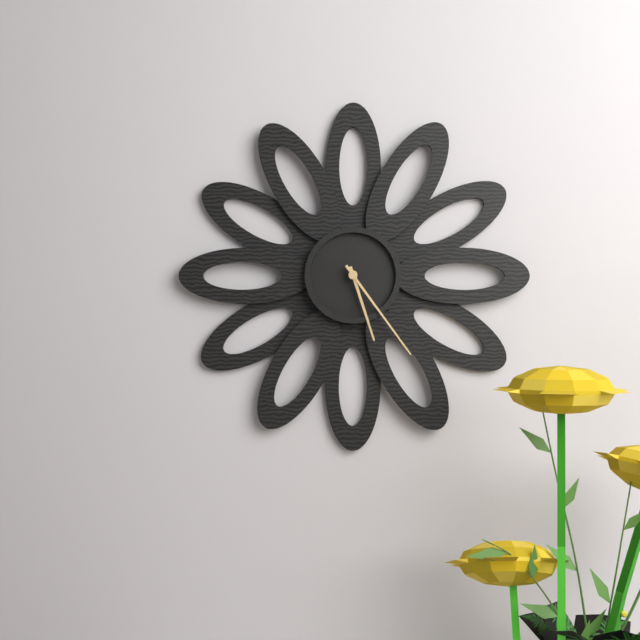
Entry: h=5 m=24
